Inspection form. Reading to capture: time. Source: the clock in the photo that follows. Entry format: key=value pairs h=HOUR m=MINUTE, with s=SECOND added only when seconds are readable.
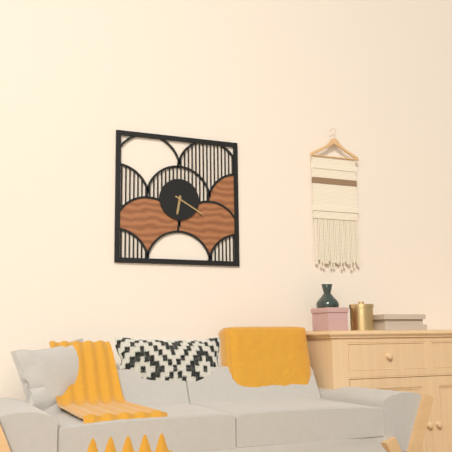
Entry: h=6 m=20
